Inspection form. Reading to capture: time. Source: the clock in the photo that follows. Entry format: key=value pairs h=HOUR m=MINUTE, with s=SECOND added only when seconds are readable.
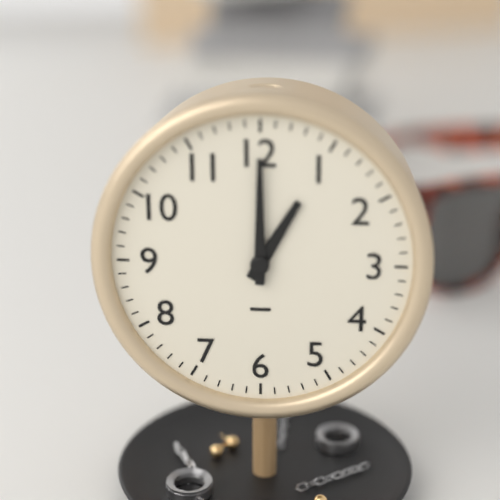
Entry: h=1 m=0
